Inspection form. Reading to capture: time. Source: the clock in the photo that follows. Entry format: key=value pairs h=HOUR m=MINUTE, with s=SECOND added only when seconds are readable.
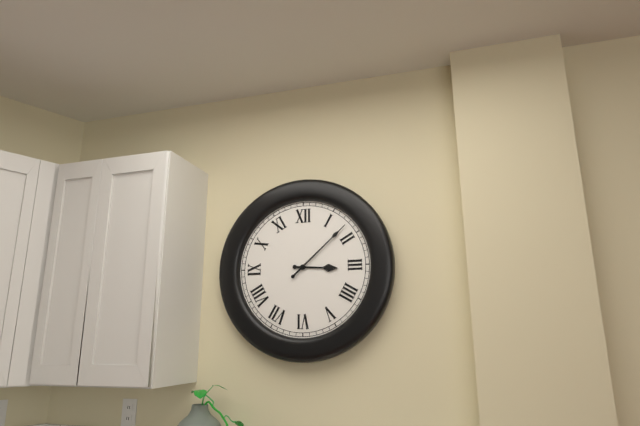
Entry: h=3 m=8
